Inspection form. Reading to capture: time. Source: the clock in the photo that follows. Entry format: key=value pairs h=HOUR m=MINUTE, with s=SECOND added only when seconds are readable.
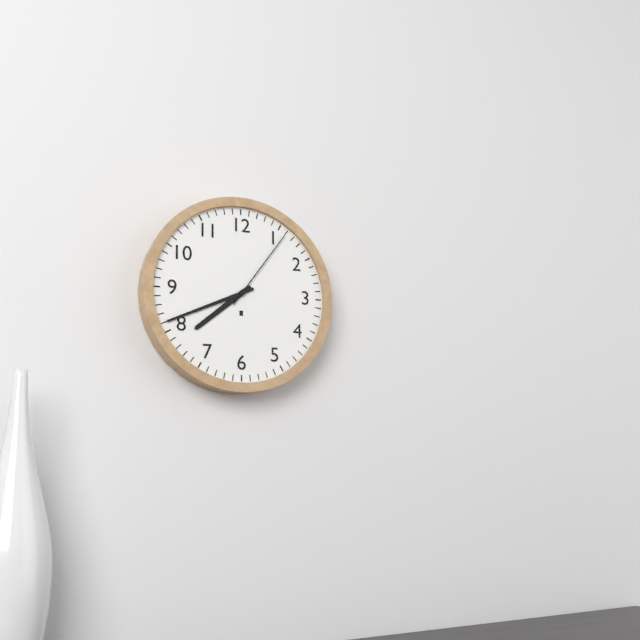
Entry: h=7 m=41 s=6
